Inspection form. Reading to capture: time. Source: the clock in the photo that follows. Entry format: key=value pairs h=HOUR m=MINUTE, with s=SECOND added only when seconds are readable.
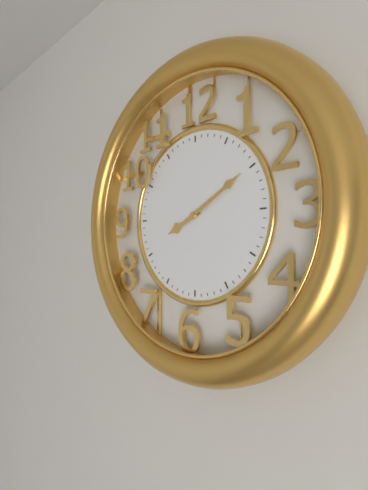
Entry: h=8 m=10
